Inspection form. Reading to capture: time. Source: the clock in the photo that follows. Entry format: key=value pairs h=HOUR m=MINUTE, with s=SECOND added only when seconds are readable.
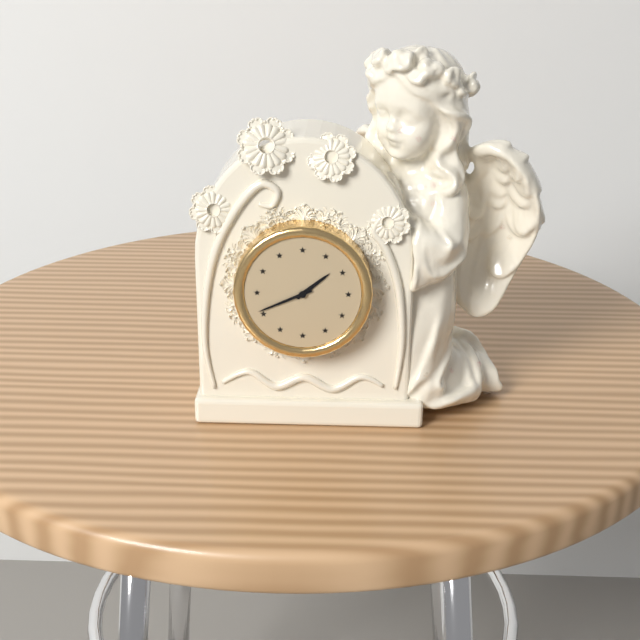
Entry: h=1 m=41
